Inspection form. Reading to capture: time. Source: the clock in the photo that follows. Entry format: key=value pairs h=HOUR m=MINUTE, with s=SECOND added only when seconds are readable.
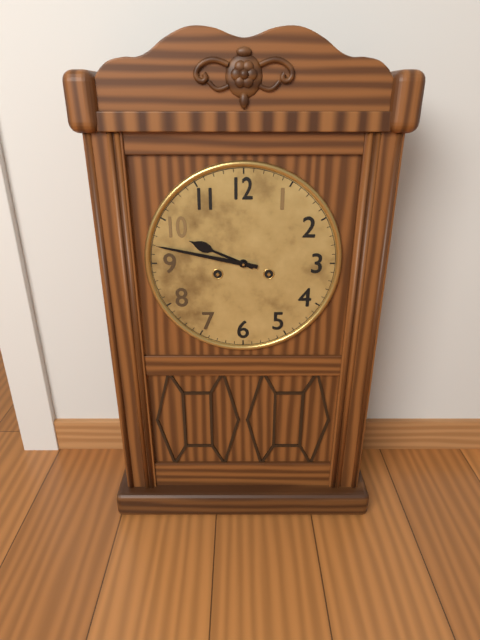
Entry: h=9 m=47
